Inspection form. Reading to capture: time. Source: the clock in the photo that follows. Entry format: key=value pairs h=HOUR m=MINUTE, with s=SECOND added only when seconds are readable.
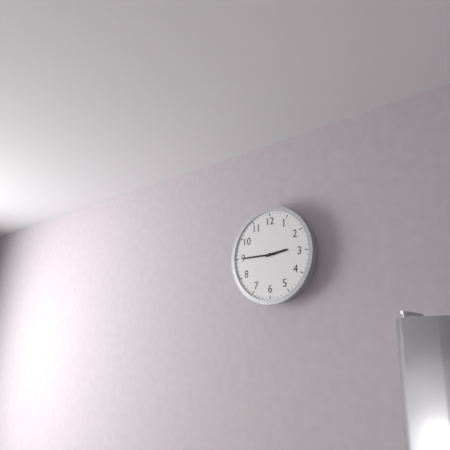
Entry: h=2 m=45
